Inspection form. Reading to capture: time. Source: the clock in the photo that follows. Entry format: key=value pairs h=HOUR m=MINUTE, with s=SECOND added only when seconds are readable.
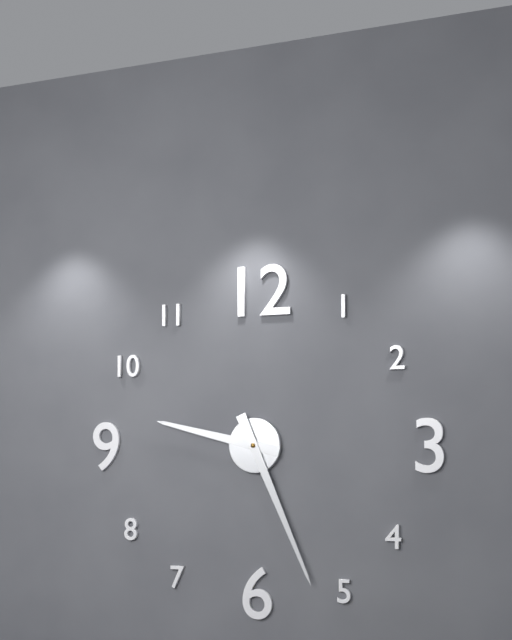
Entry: h=9 m=26
